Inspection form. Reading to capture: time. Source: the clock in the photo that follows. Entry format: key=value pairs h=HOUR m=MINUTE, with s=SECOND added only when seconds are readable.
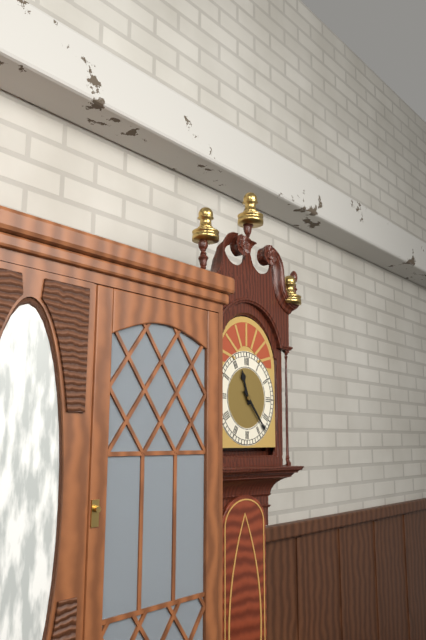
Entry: h=11 m=23
